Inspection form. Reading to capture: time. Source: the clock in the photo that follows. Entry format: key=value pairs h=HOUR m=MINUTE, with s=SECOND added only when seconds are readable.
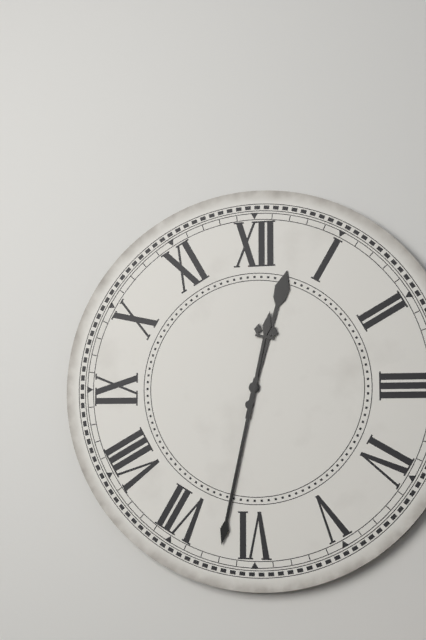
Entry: h=12 m=32
